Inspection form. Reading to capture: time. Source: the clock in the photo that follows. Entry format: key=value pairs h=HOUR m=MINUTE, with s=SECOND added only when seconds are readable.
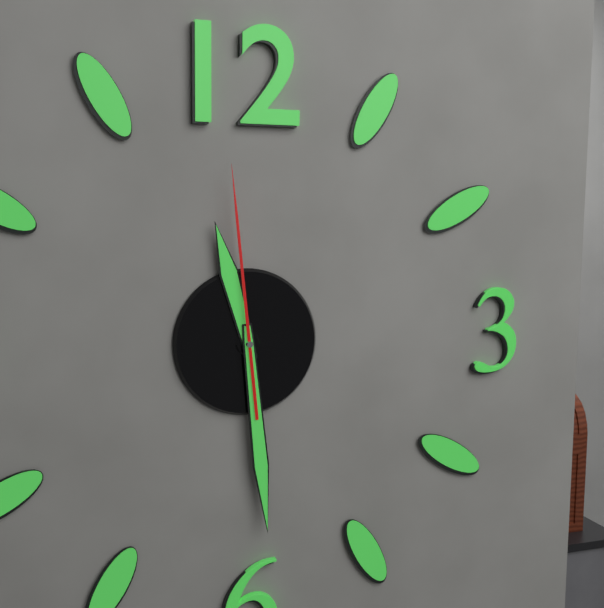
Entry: h=11 m=29 s=59
